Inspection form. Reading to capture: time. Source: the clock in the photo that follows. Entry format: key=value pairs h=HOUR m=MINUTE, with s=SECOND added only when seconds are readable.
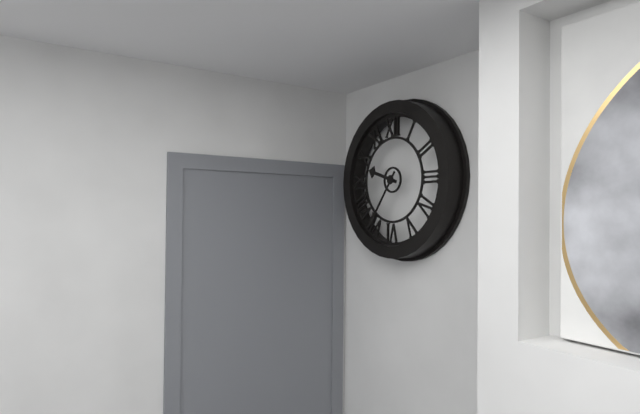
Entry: h=9 m=36
